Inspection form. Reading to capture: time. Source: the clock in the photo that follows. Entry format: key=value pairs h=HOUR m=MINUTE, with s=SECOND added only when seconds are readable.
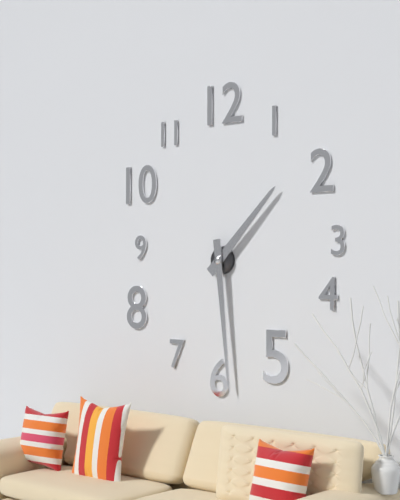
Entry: h=1 m=29
